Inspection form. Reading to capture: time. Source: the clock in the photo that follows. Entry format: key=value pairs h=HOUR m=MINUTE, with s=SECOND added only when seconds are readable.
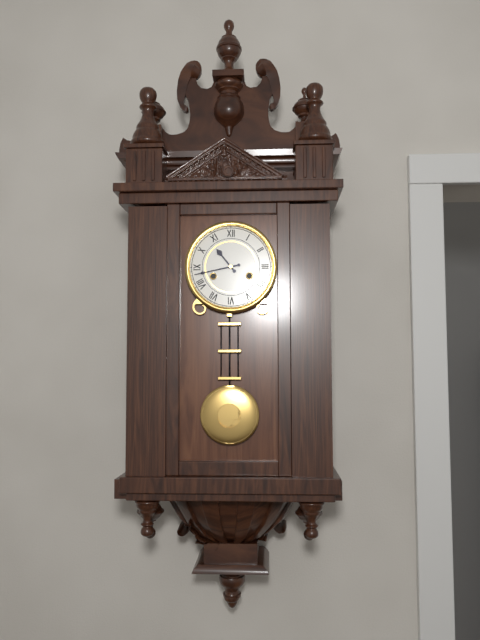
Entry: h=10 m=43
